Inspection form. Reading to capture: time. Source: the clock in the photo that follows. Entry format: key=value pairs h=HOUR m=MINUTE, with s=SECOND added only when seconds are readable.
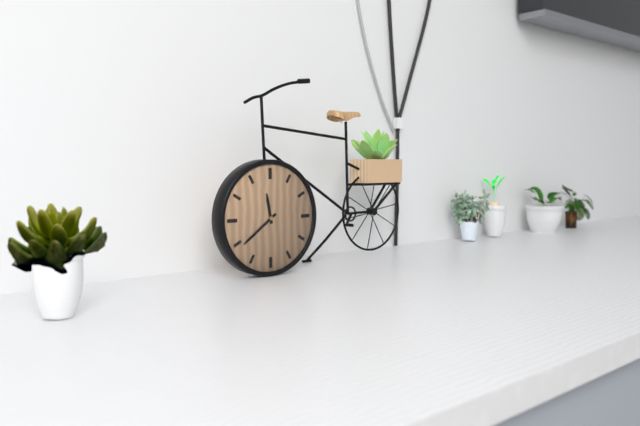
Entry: h=11 m=39
